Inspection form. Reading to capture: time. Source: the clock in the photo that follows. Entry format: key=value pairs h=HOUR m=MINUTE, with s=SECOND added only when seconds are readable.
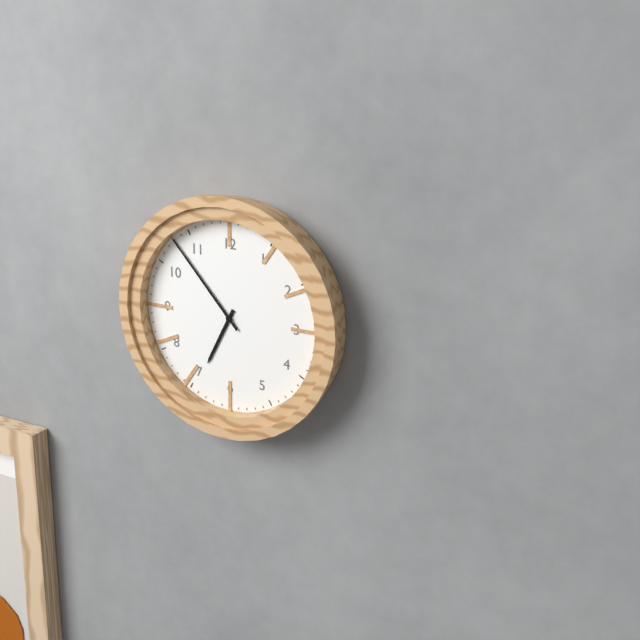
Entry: h=6 m=53
